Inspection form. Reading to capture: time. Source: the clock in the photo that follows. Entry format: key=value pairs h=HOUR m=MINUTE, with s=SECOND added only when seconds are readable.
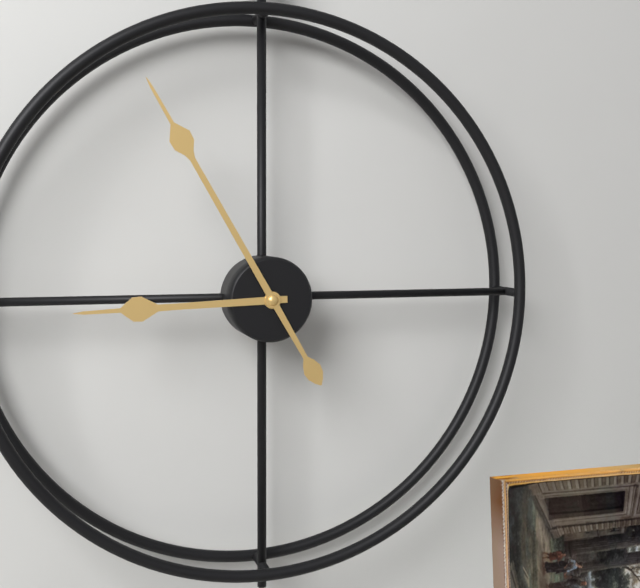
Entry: h=8 m=55
